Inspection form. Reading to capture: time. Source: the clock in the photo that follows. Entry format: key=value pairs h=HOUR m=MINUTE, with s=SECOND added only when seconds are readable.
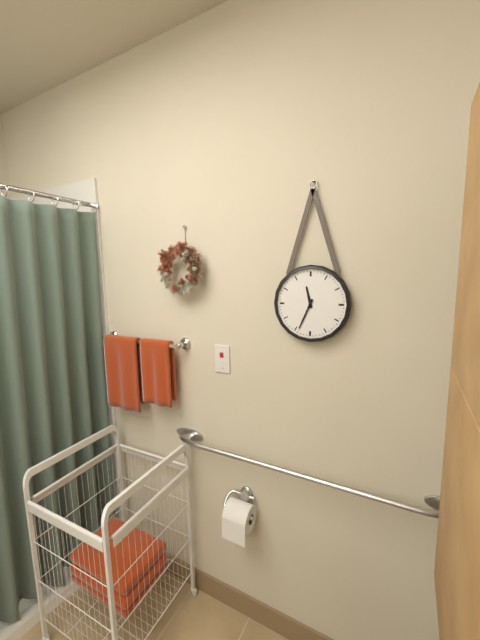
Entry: h=11 m=34
